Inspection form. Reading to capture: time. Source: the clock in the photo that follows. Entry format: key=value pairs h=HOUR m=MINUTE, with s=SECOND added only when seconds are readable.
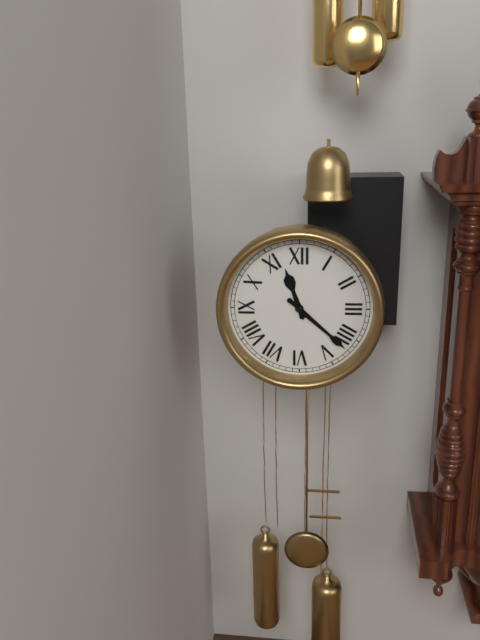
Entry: h=11 m=22
